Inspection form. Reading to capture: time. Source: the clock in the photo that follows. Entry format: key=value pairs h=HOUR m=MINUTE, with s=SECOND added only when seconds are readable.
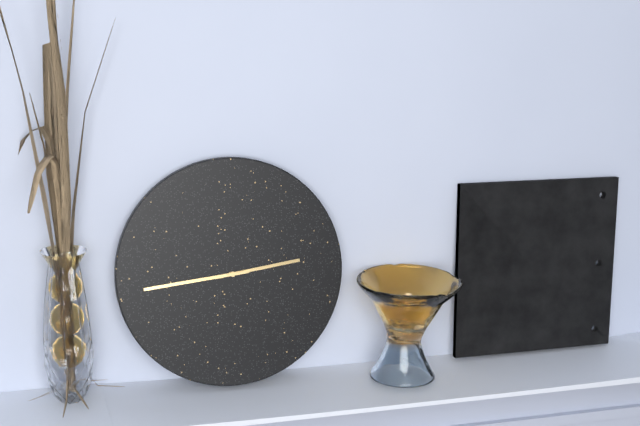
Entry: h=2 m=44
